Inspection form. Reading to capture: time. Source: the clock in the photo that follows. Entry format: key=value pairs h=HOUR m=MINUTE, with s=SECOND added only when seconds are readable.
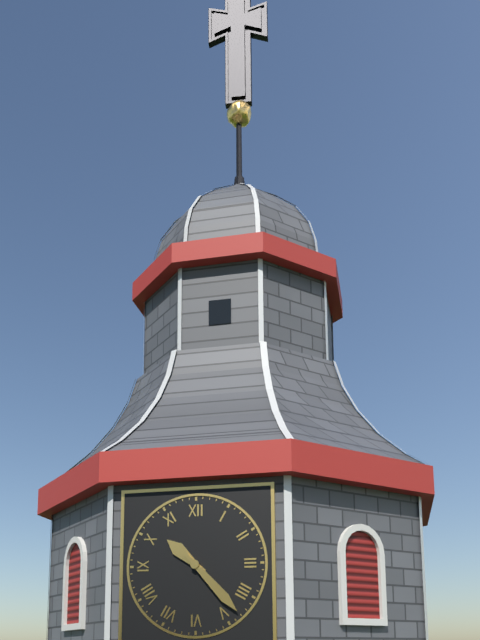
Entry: h=10 m=23
